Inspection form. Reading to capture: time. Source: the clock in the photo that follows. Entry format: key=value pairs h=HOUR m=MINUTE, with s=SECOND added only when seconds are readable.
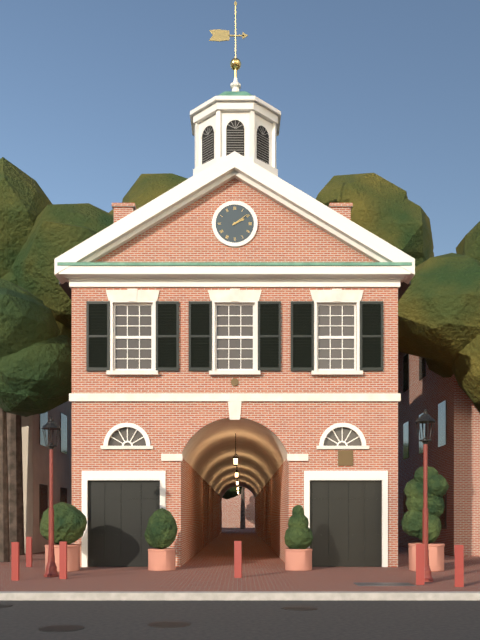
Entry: h=2 m=9
